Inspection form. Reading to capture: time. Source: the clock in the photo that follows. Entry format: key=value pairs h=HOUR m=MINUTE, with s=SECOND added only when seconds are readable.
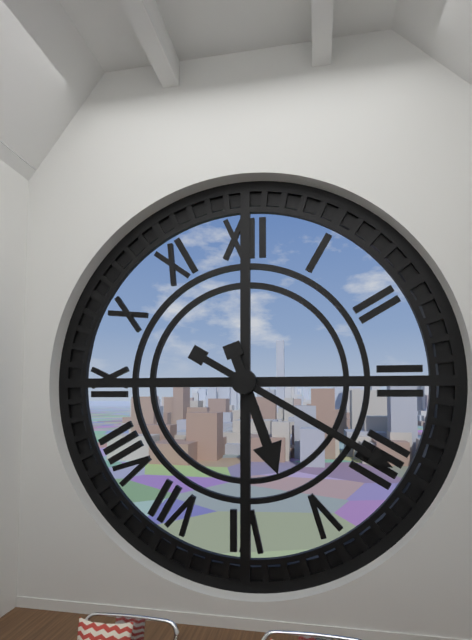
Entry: h=5 m=20
